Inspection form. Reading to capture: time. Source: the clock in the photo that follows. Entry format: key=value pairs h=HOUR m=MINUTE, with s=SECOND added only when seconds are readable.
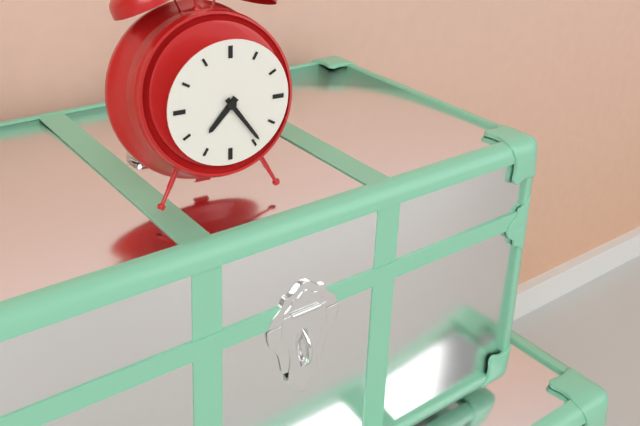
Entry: h=7 m=24
